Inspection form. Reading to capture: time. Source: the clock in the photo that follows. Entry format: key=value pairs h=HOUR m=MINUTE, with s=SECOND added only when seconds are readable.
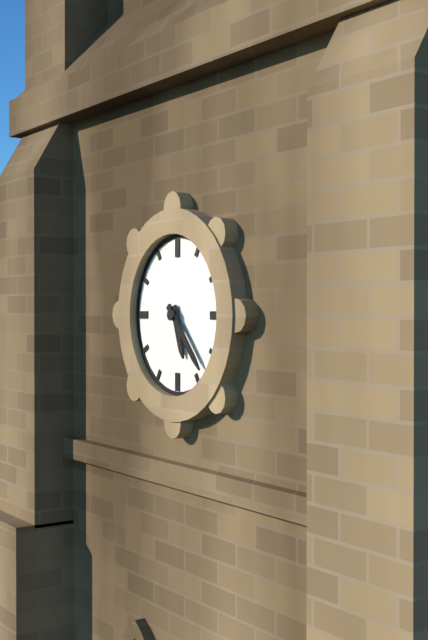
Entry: h=5 m=23
